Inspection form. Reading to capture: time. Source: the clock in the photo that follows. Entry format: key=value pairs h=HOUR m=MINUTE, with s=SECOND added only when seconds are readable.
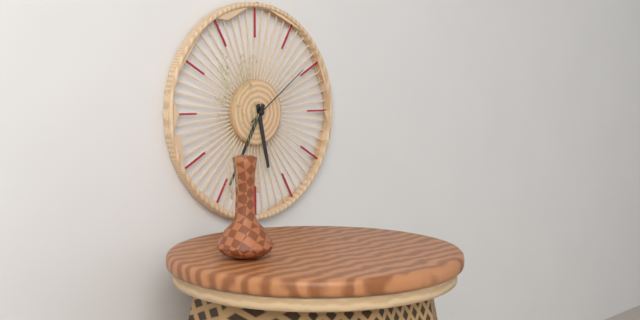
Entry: h=5 m=35 s=9
